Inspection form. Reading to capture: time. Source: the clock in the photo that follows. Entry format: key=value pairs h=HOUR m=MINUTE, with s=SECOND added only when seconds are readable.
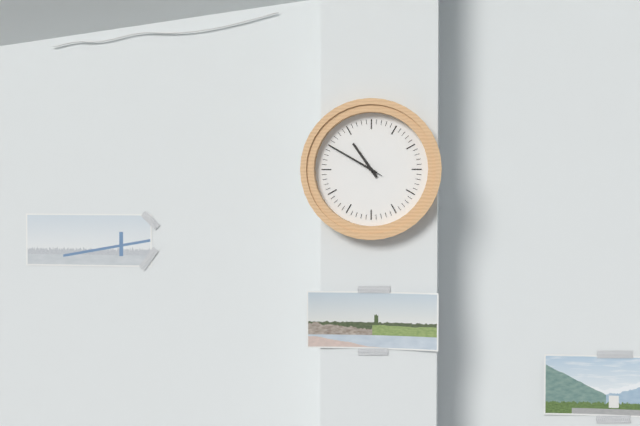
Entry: h=10 m=50 s=50
